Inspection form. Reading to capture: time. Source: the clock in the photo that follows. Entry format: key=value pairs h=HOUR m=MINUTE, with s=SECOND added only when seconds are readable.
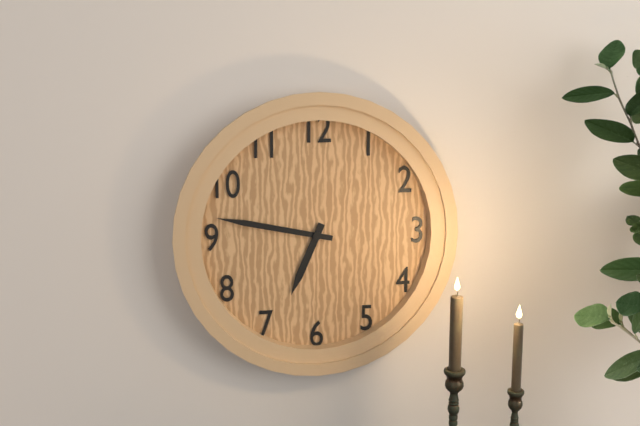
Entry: h=6 m=47
